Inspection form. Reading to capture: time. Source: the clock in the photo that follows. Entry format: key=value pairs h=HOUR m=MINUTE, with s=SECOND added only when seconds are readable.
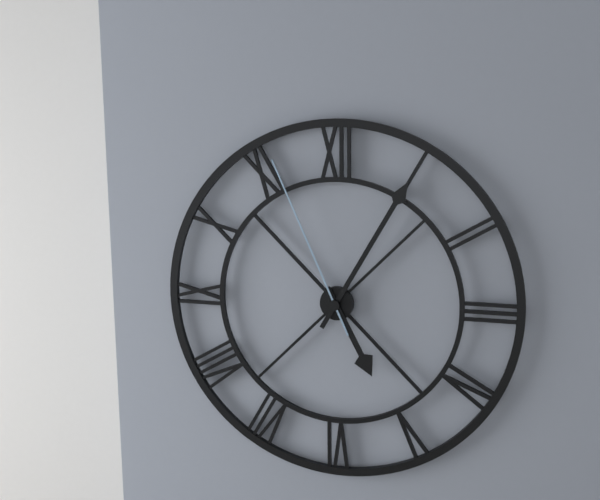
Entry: h=5 m=5 s=56
